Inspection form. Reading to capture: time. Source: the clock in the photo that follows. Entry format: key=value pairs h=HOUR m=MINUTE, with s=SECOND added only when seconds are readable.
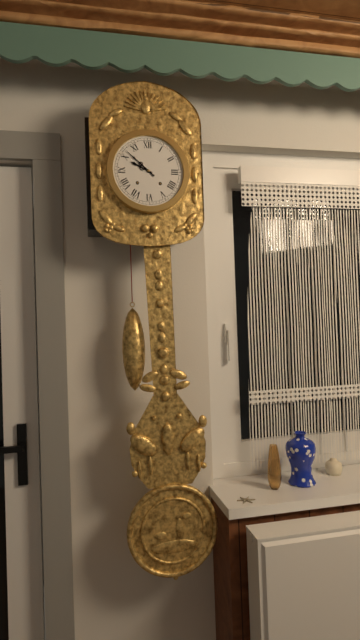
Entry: h=9 m=52
